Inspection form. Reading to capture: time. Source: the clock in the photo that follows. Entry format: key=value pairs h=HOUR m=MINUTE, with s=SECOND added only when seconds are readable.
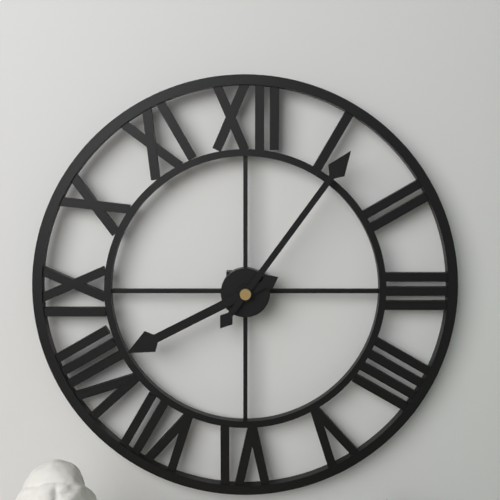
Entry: h=8 m=6
